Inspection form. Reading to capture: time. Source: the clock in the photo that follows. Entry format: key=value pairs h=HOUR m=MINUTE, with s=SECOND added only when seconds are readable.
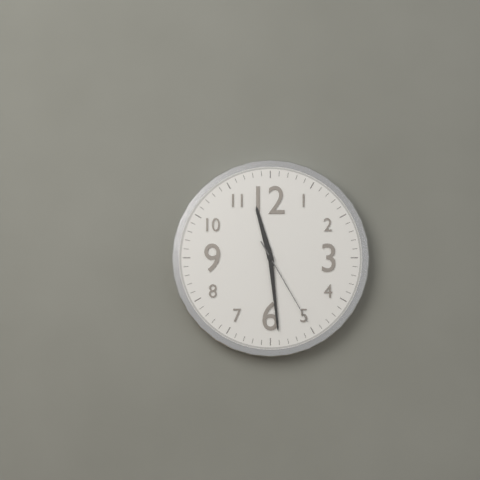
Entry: h=11 m=29 s=25
